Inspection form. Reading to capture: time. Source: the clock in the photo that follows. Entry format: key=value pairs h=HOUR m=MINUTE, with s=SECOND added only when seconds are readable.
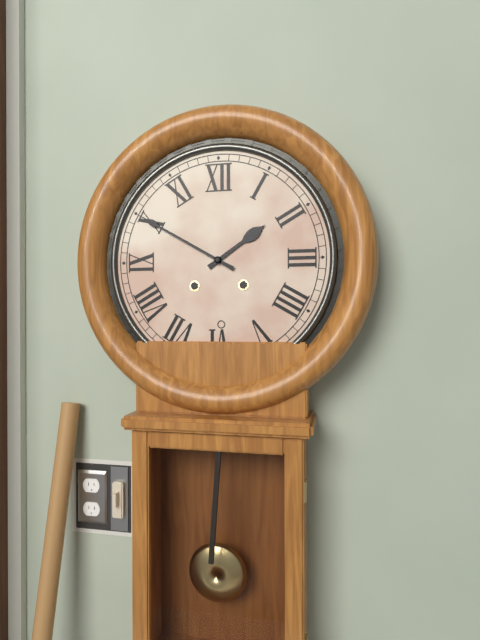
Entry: h=1 m=50
